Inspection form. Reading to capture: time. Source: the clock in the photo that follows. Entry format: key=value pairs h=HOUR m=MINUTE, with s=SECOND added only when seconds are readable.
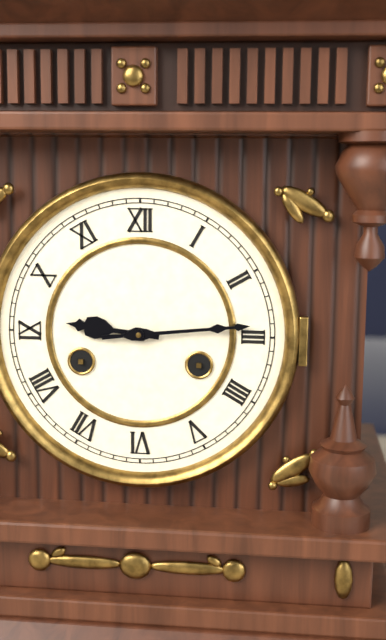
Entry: h=9 m=14
